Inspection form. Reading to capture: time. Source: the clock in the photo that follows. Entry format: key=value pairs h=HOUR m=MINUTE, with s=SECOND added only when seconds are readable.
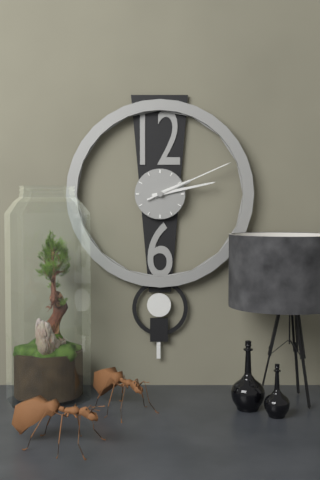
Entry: h=2 m=13 s=11
